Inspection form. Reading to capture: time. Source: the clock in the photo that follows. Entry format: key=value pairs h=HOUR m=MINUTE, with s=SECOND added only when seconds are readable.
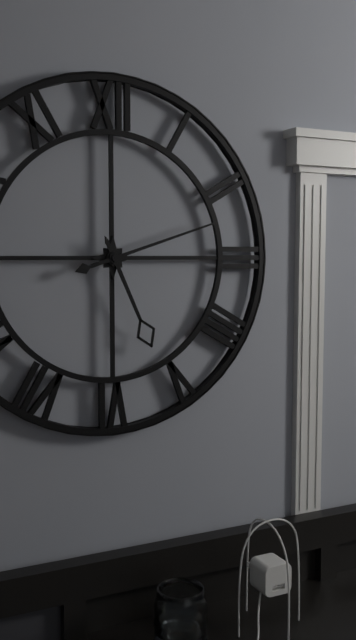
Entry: h=5 m=12
